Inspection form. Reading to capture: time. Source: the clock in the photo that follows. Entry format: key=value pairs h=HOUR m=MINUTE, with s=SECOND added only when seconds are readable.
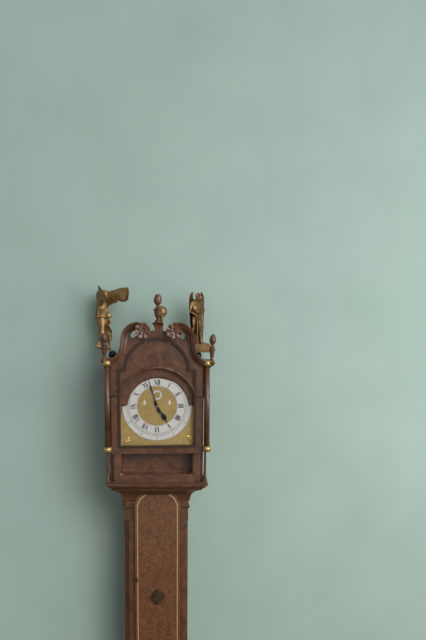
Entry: h=4 m=57
